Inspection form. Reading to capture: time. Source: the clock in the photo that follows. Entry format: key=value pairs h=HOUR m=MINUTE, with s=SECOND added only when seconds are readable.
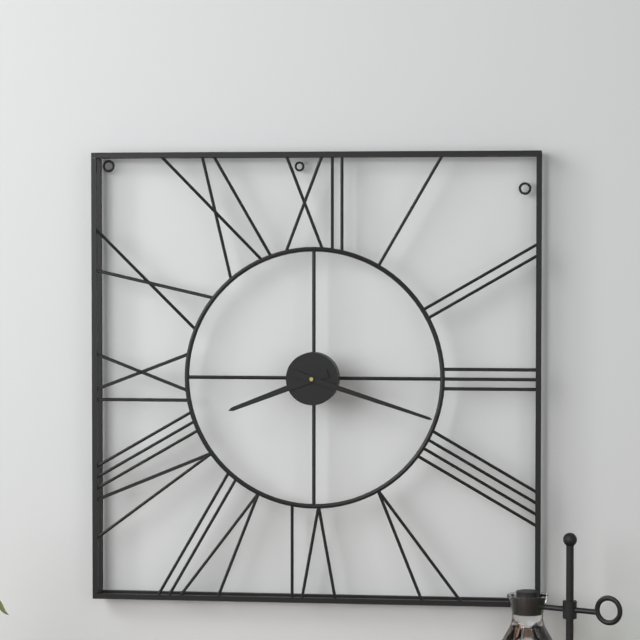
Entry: h=8 m=18
